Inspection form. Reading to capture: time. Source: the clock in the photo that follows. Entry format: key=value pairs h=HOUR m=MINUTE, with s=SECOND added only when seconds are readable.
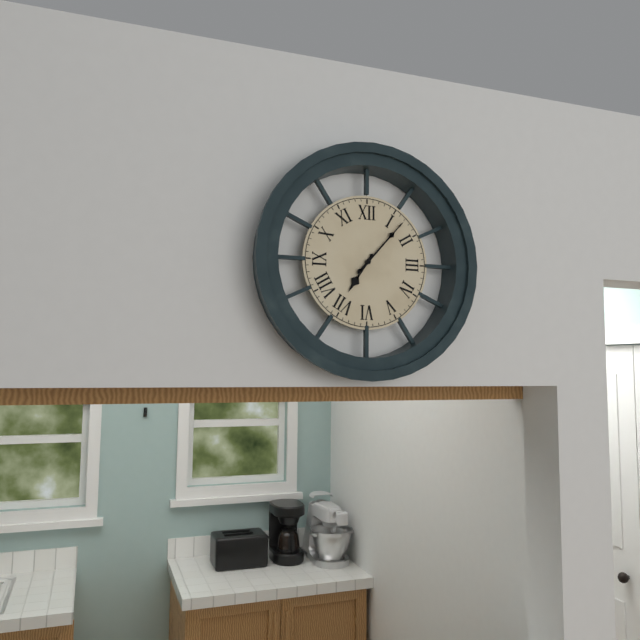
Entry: h=7 m=7
